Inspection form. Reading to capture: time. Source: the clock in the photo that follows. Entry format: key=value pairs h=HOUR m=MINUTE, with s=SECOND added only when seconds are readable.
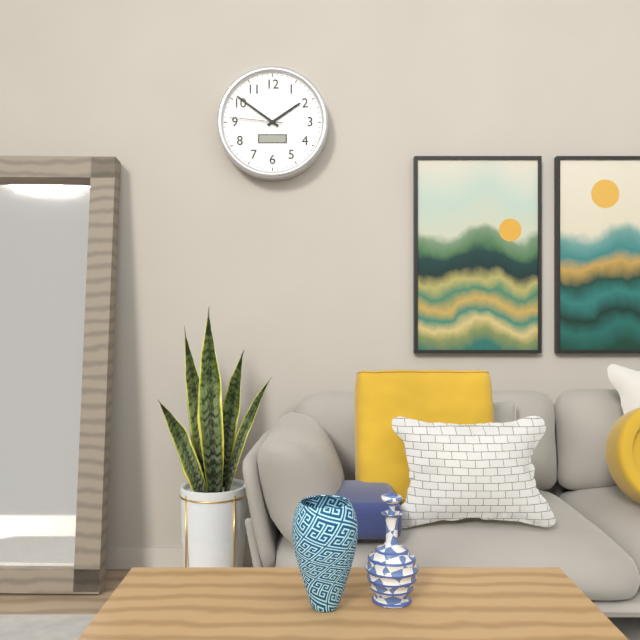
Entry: h=1 m=51 s=46
